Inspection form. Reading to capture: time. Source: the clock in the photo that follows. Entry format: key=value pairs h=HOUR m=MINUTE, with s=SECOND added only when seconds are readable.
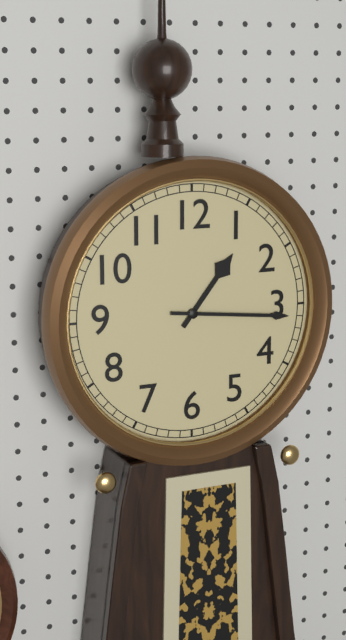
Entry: h=1 m=16
